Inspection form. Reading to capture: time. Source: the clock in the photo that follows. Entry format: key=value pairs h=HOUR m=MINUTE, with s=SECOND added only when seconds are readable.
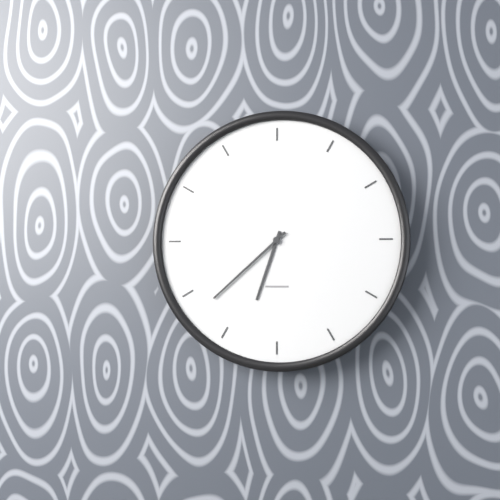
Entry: h=6 m=38
